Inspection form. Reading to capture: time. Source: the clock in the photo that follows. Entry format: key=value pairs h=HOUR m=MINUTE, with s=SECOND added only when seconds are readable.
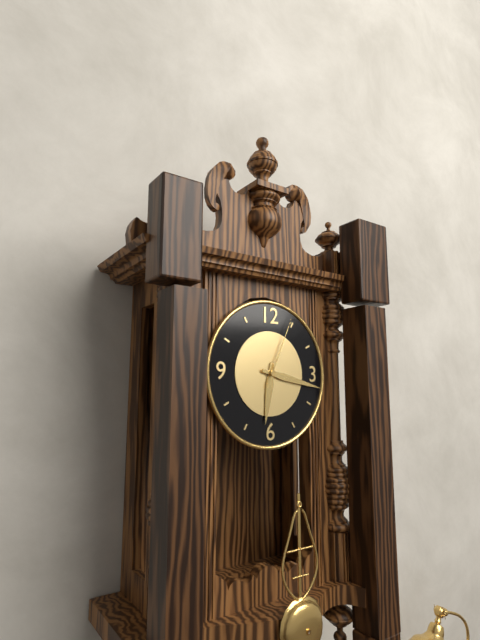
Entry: h=6 m=17 s=4
